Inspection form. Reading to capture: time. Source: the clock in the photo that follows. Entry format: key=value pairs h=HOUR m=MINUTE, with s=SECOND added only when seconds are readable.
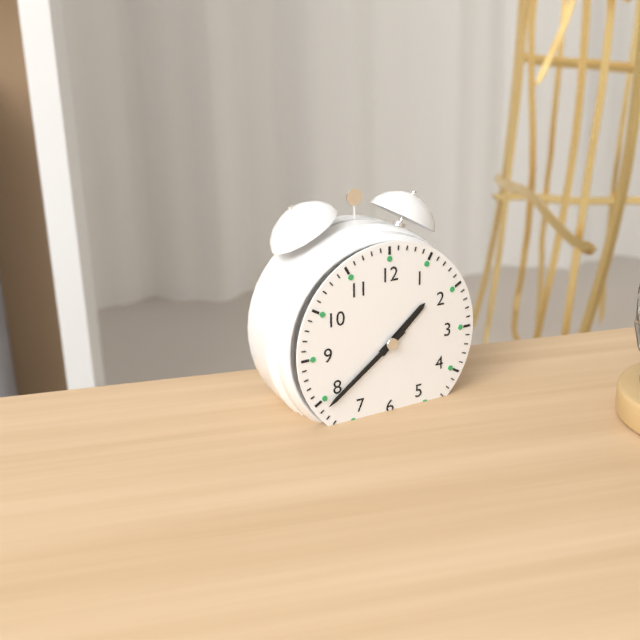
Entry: h=1 m=39
